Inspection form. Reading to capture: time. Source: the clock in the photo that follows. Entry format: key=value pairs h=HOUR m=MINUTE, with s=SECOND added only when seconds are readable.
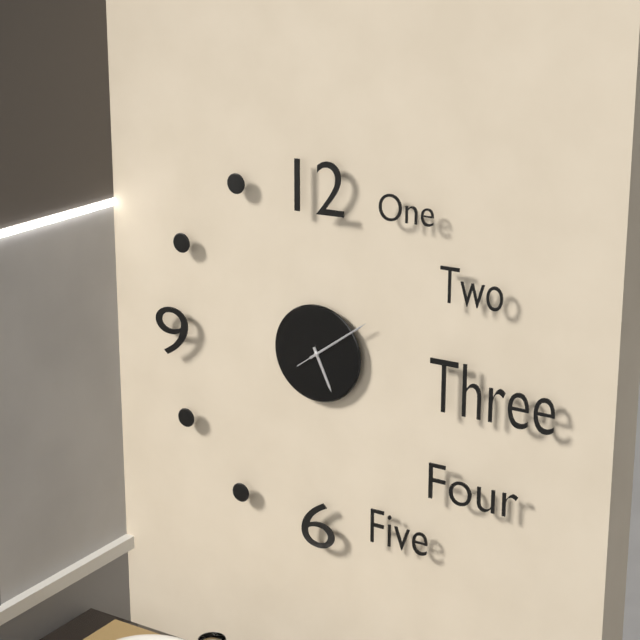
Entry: h=5 m=9 s=9
